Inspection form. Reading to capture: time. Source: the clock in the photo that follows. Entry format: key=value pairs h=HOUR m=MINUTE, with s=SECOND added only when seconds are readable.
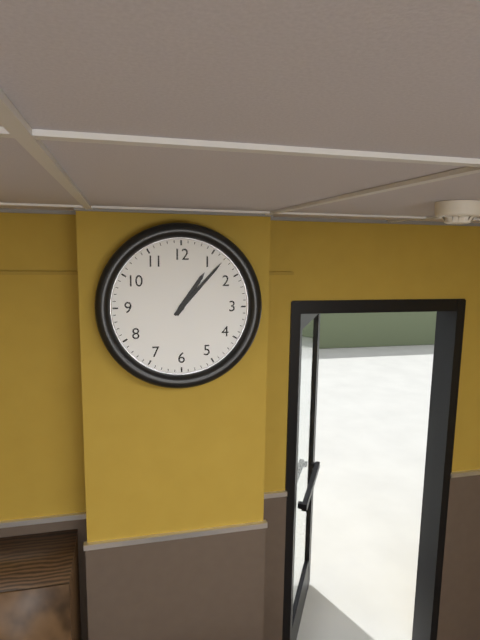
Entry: h=1 m=7
